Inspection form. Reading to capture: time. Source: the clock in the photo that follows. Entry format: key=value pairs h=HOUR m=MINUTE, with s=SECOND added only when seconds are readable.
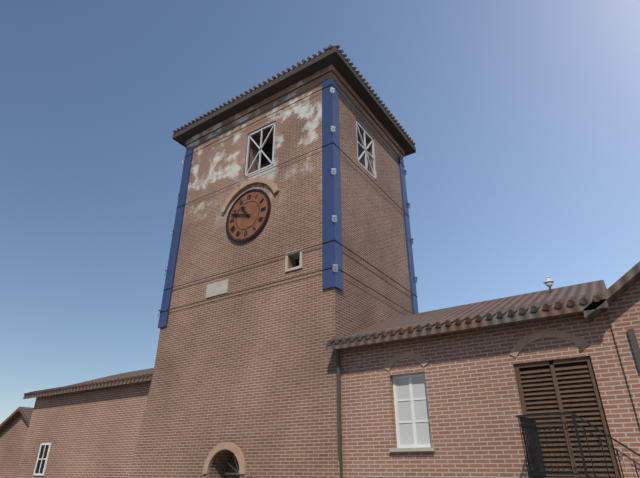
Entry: h=10 m=48
